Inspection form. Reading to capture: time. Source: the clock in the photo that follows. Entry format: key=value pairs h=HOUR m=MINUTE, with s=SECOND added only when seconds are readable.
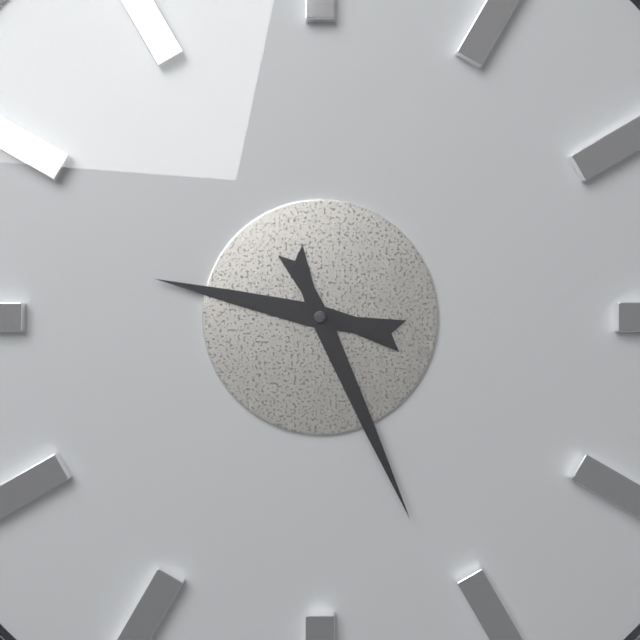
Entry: h=9 m=26
